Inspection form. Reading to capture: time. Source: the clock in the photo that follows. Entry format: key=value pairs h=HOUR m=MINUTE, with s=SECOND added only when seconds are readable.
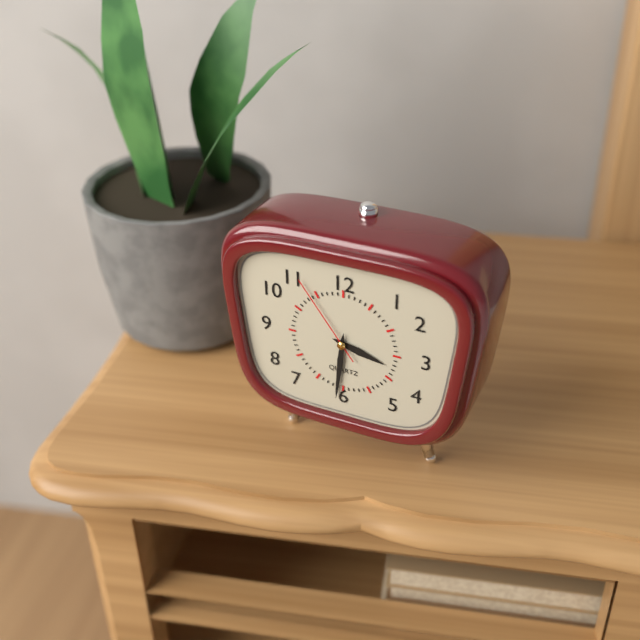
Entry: h=3 m=31 s=54
